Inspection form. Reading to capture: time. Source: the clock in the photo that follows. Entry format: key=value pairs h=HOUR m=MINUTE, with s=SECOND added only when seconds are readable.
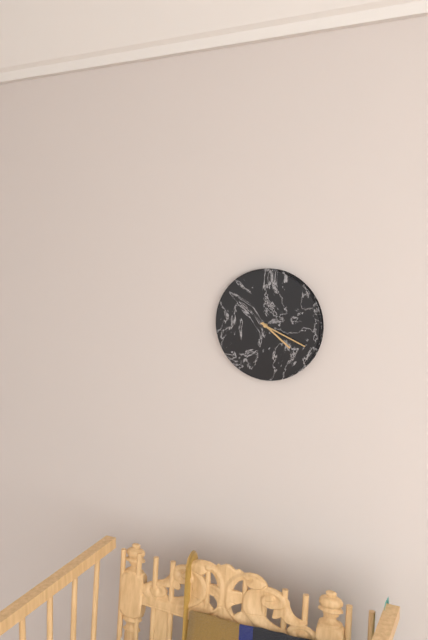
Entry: h=4 m=19
